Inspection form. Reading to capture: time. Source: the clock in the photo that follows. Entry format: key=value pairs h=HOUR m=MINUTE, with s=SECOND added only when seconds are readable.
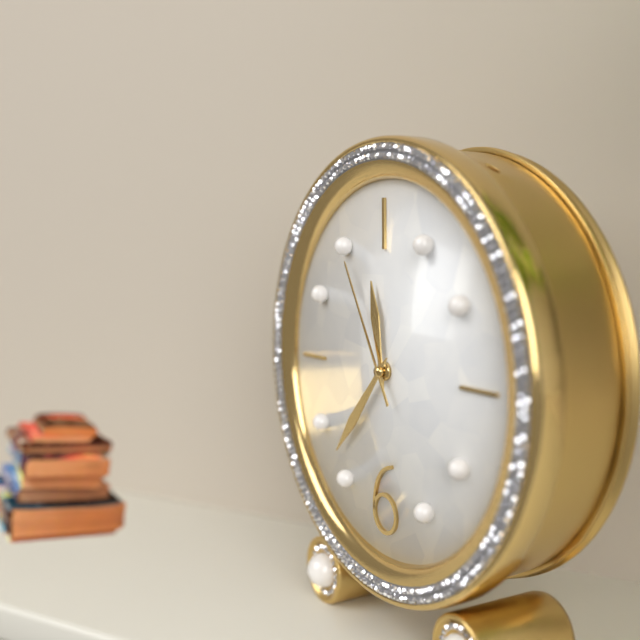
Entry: h=11 m=37 s=55
